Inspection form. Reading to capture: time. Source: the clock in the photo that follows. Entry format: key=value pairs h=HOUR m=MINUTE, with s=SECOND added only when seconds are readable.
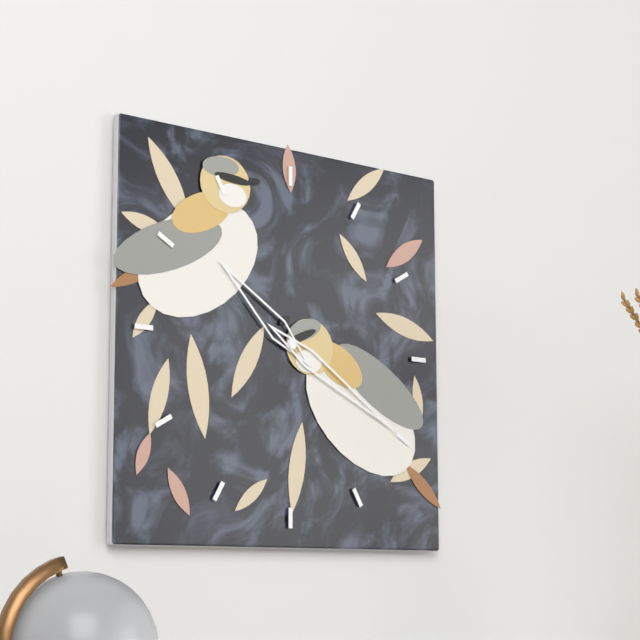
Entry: h=10 m=20
